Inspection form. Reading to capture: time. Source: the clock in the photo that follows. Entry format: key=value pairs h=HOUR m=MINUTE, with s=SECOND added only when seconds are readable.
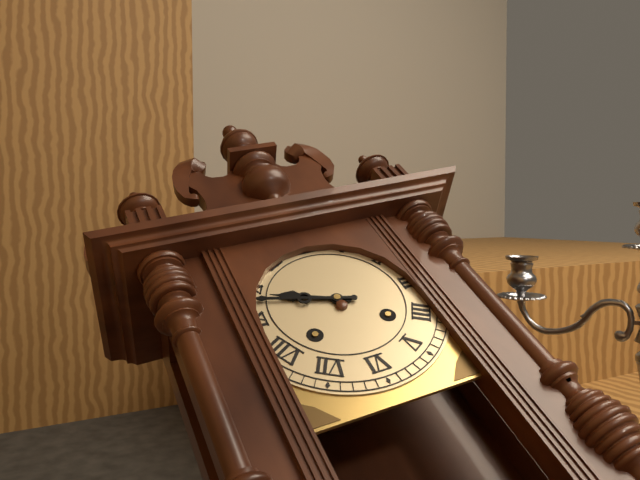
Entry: h=9 m=48
